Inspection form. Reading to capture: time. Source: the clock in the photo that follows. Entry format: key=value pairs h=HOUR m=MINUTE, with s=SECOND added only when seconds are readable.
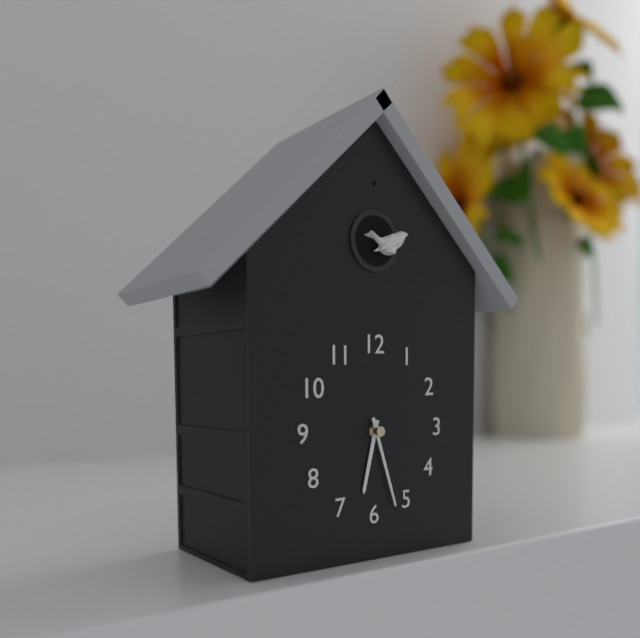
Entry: h=6 m=27
